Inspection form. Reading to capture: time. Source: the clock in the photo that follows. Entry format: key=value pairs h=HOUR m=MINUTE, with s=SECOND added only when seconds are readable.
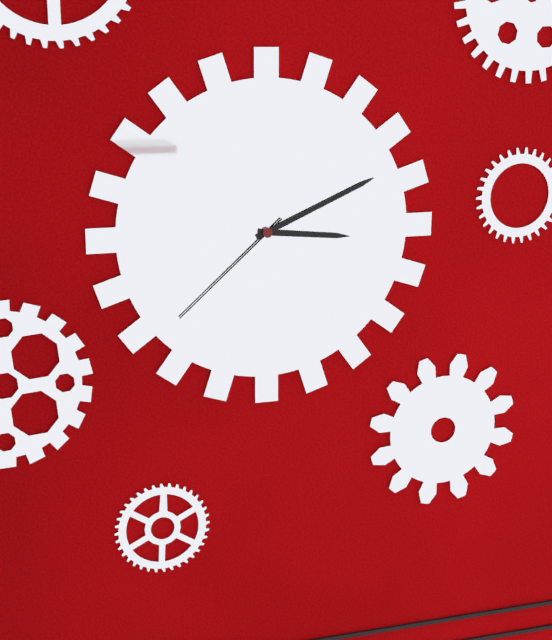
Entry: h=3 m=11 s=38
